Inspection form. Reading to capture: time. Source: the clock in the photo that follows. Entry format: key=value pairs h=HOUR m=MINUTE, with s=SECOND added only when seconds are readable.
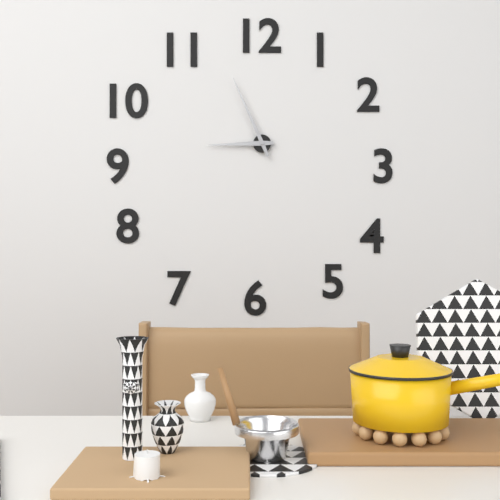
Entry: h=8 m=56
